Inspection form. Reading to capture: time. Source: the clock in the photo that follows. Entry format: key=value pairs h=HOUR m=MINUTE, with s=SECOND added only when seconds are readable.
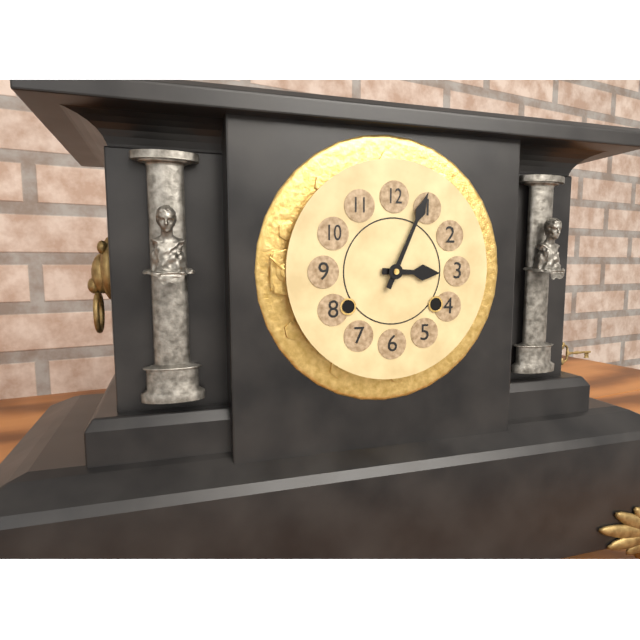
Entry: h=3 m=4
